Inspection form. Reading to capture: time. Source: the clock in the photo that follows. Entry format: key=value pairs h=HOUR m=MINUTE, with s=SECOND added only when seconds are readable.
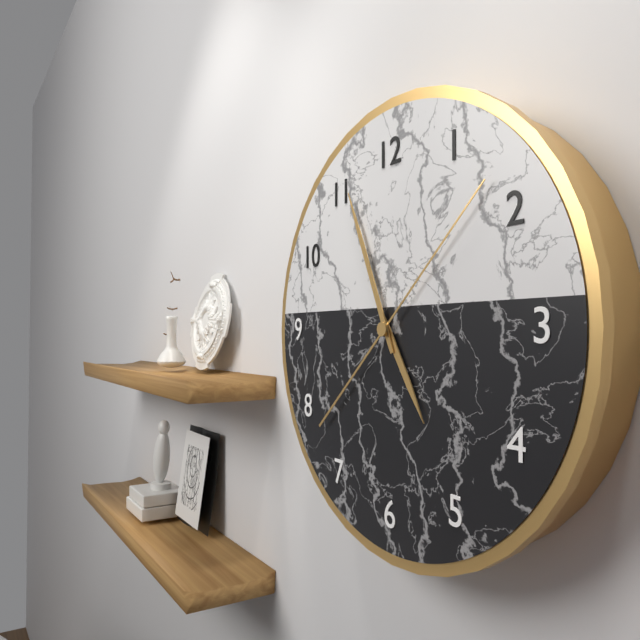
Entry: h=4 m=56 s=8
